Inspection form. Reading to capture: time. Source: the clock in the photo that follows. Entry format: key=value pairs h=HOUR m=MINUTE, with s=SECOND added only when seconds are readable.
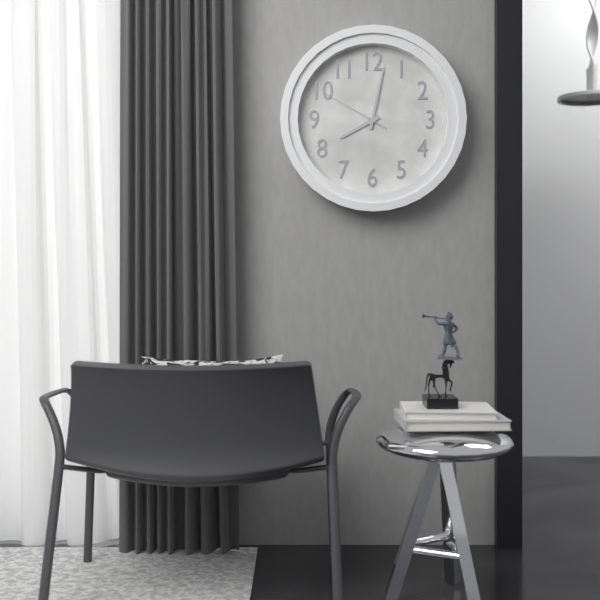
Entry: h=8 m=2 s=50
